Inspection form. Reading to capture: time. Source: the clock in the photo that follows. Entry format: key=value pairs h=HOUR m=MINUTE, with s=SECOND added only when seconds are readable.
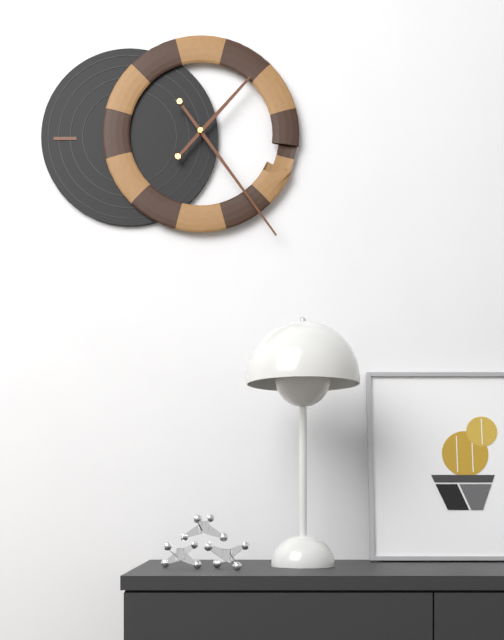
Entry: h=1 m=24
